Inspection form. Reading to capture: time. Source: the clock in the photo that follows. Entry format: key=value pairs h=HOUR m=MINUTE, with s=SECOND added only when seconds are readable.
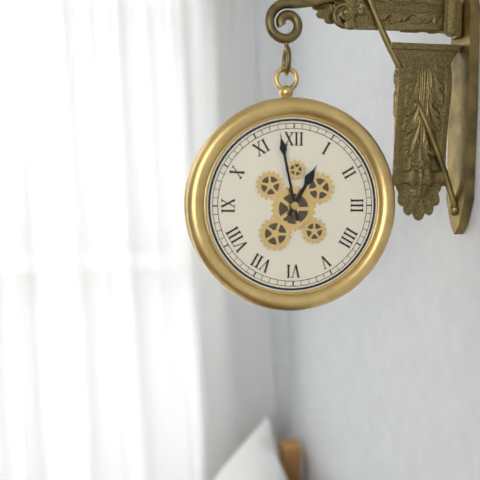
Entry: h=12 m=58
